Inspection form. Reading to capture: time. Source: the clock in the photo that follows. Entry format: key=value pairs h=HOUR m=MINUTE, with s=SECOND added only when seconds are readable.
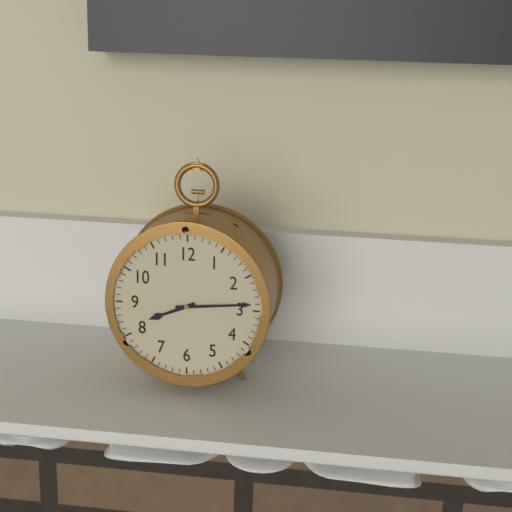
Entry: h=8 m=14
